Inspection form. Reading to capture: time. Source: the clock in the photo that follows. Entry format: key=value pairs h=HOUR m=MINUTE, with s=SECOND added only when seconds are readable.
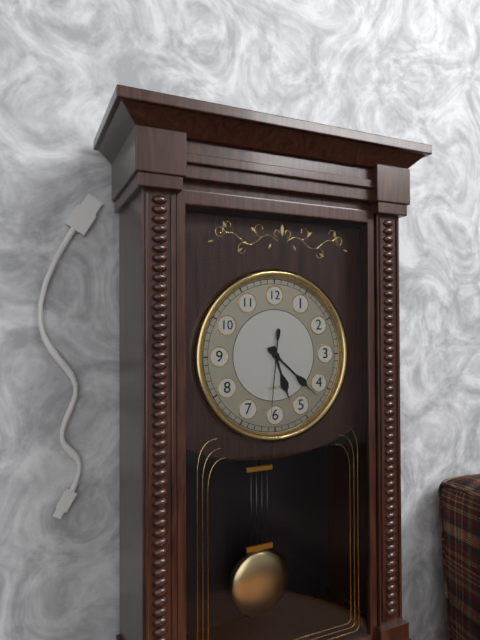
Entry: h=5 m=22 s=31
